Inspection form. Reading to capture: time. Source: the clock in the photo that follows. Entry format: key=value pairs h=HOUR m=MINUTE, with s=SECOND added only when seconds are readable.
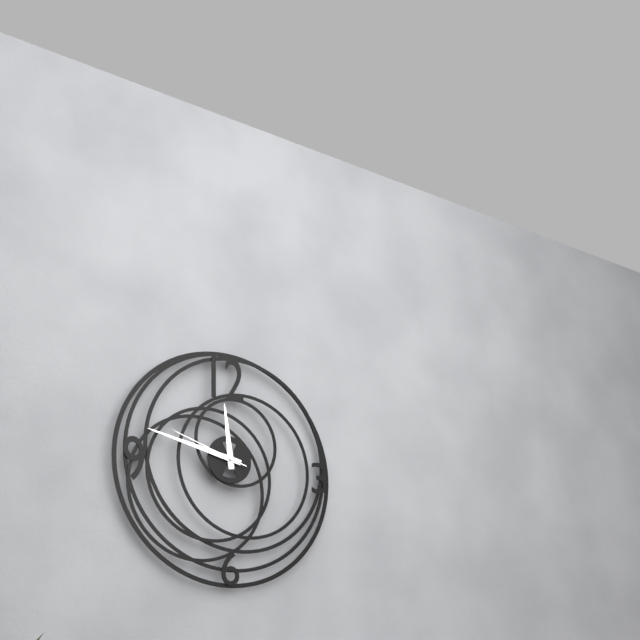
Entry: h=11 m=47 s=48
